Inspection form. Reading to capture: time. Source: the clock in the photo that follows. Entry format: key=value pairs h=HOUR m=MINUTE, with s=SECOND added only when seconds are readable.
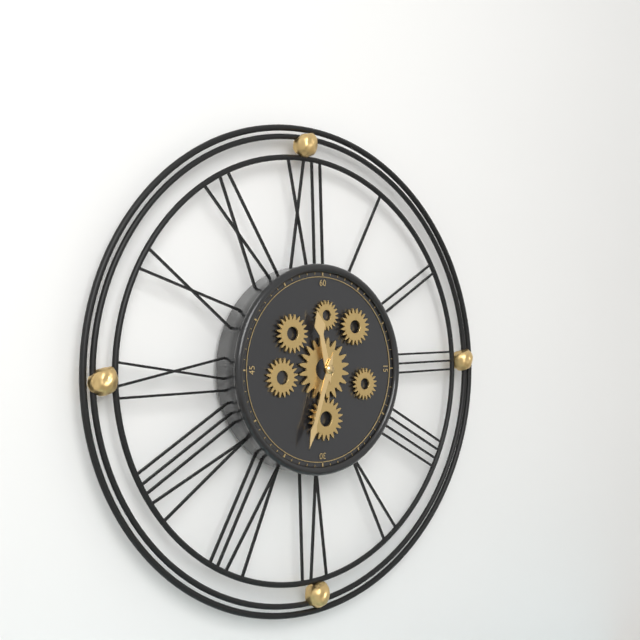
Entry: h=11 m=33
